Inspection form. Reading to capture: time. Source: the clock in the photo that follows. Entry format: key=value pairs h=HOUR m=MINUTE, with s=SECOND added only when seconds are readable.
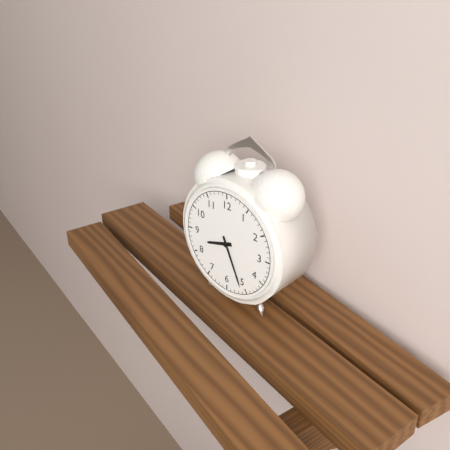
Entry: h=8 m=26
